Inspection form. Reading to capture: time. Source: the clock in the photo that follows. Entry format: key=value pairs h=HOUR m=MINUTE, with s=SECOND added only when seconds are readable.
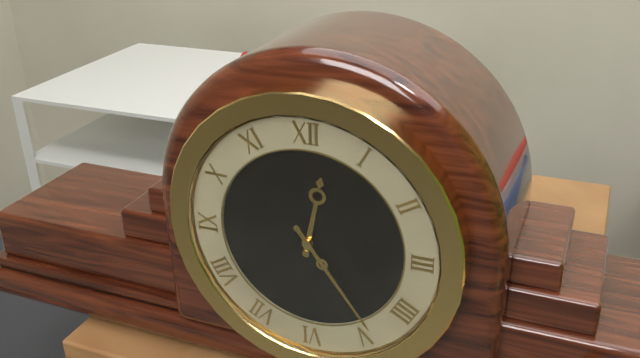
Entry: h=12 m=24
